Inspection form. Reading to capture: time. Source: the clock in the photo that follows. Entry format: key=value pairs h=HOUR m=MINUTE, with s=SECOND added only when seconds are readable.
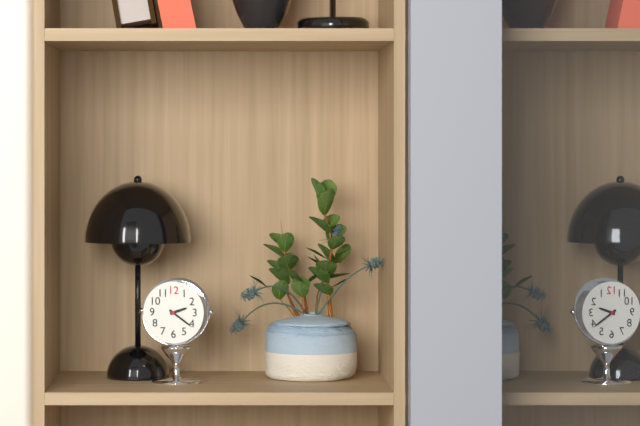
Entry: h=2 m=21
